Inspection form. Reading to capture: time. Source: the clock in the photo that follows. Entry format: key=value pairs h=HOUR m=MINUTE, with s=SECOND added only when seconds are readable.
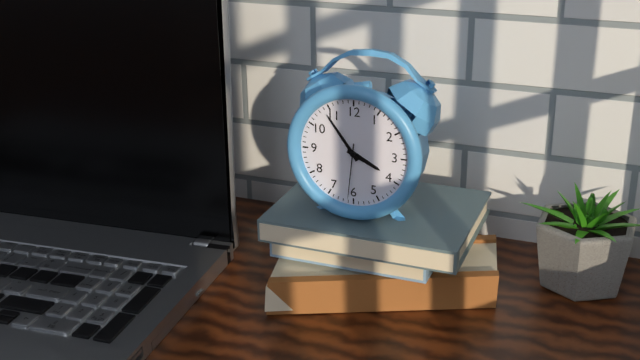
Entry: h=3 m=54 s=31
